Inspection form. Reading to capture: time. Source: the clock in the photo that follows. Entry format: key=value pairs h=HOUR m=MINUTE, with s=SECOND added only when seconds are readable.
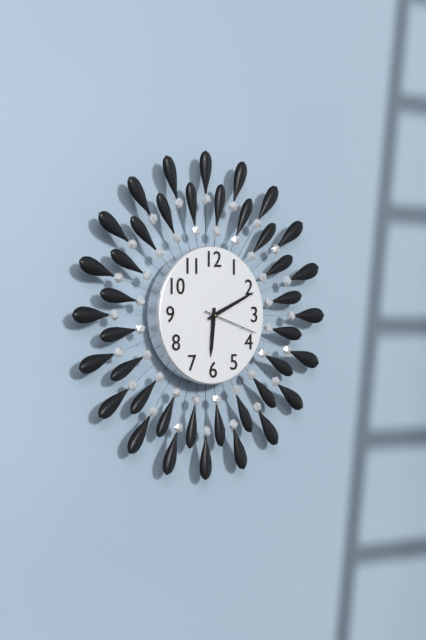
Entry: h=6 m=11 s=18
